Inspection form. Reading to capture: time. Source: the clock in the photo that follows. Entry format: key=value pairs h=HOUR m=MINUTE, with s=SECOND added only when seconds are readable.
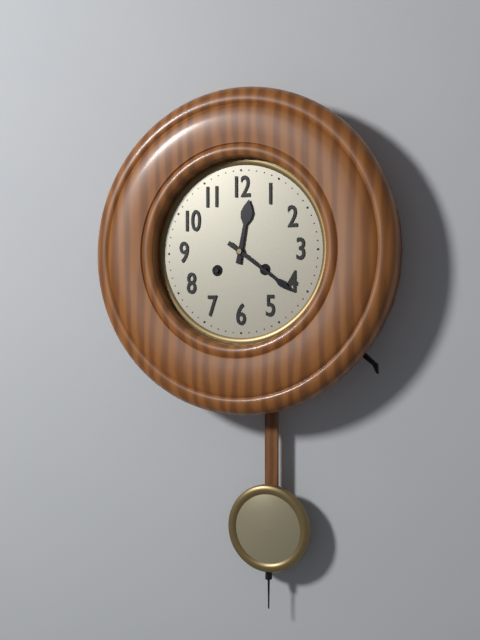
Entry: h=12 m=21
